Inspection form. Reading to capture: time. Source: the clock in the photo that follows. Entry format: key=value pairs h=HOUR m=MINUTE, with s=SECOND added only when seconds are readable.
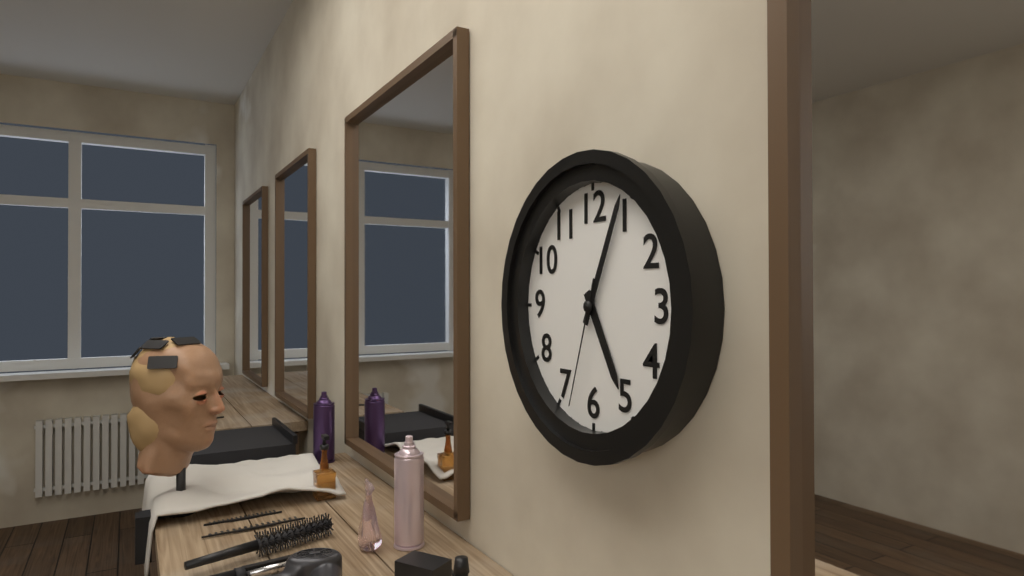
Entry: h=5 m=4 s=33
